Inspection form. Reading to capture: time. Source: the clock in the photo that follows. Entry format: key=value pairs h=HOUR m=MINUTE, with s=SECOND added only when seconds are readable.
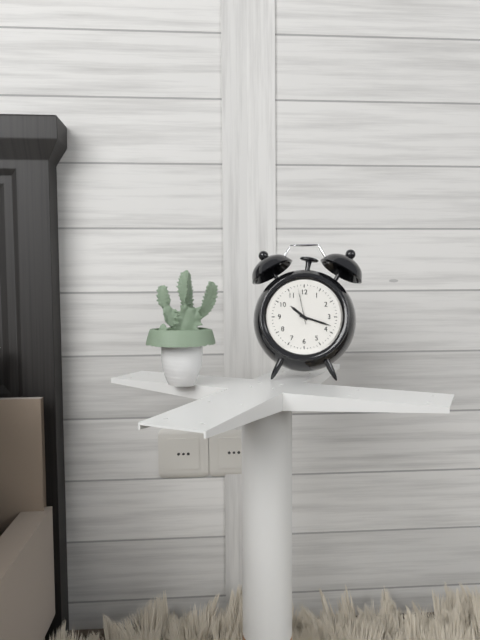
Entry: h=10 m=18
